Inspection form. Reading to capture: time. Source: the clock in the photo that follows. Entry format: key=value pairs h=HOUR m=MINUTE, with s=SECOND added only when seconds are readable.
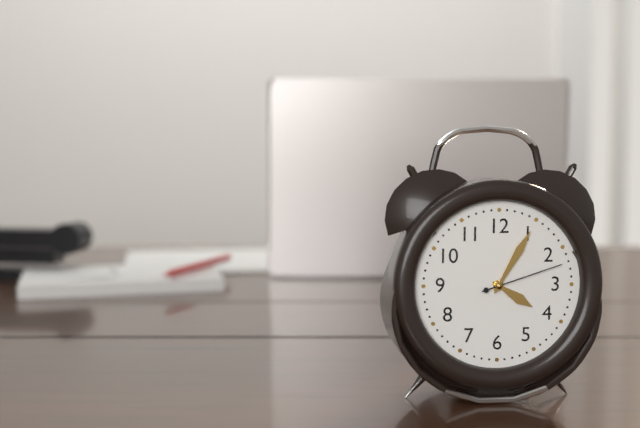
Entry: h=4 m=5 s=12
